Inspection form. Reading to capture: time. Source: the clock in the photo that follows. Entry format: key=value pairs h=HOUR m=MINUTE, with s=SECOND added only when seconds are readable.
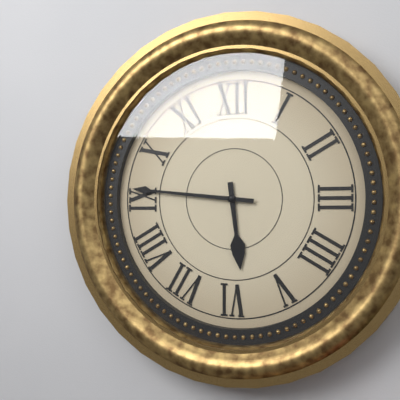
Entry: h=5 m=46
